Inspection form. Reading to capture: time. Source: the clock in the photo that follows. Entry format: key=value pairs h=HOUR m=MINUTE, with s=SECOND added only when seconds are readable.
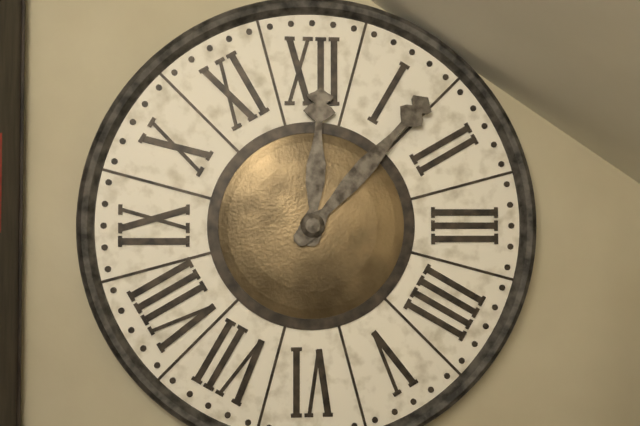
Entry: h=12 m=7
